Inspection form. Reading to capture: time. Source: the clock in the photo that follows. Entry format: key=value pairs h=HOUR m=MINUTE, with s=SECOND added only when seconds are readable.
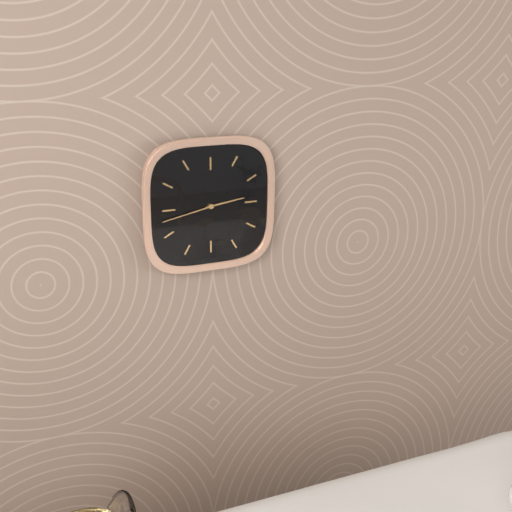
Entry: h=2 m=43
